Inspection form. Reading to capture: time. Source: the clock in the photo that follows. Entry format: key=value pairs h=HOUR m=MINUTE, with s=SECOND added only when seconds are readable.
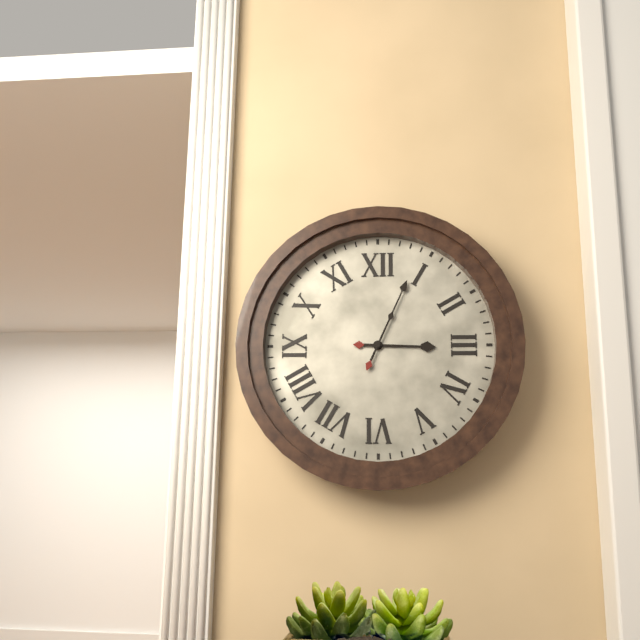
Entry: h=3 m=4
